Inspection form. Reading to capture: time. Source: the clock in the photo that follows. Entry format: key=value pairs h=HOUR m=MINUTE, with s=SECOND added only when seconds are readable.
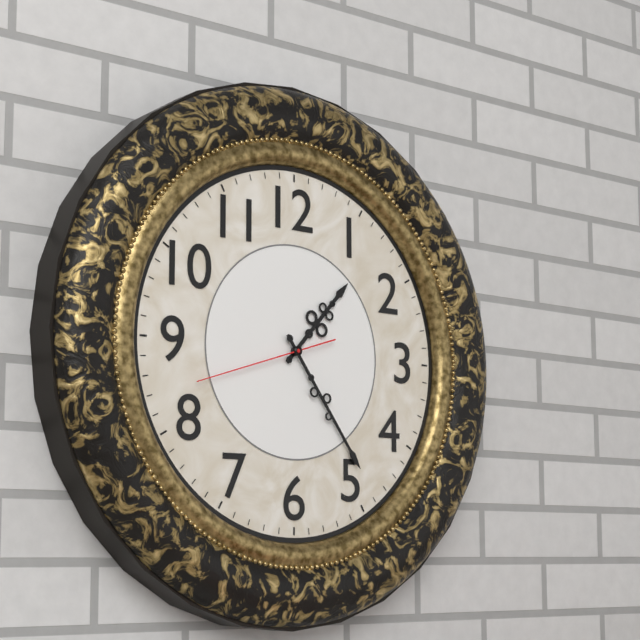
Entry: h=1 m=24 s=42
